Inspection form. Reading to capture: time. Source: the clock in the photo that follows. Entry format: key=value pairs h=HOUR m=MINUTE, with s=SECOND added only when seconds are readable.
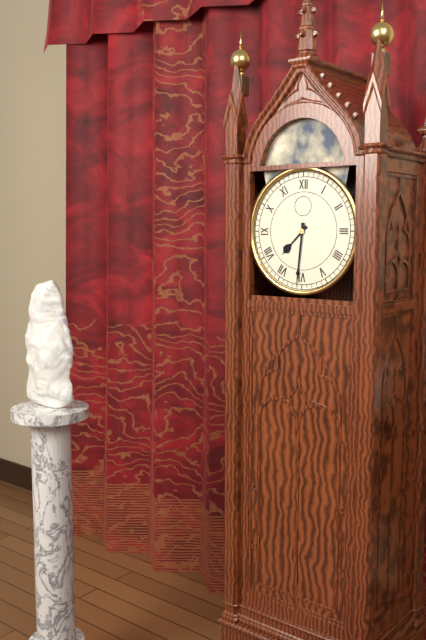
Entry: h=7 m=31
